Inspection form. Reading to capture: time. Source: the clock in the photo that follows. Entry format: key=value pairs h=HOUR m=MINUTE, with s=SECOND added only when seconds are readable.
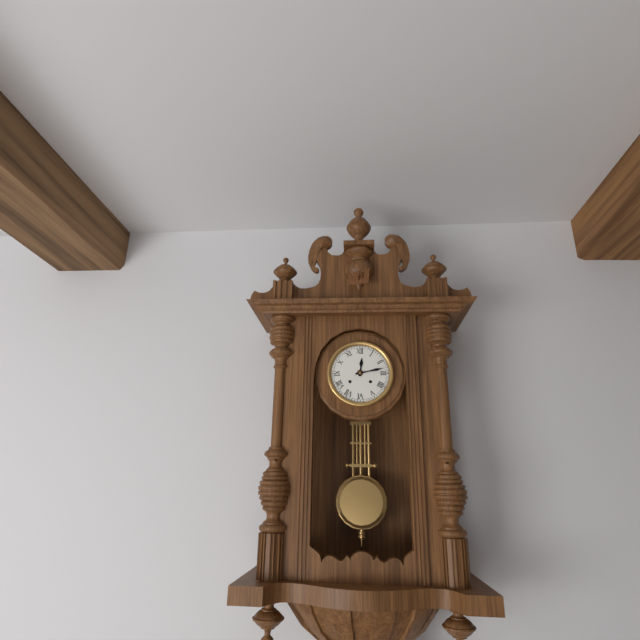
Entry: h=12 m=13
